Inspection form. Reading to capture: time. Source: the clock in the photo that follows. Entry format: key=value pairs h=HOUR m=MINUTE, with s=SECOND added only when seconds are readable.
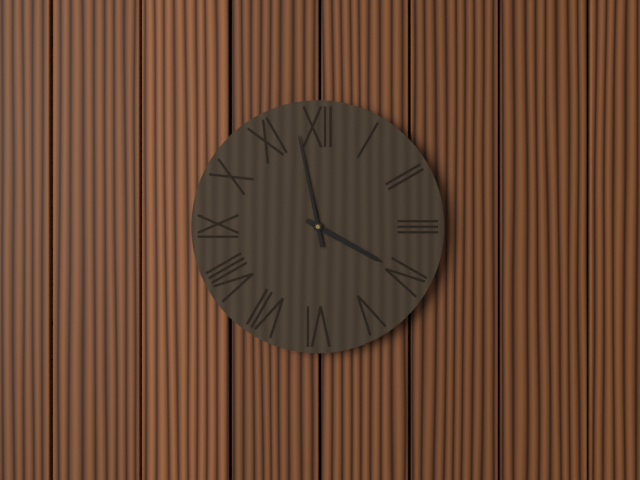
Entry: h=3 m=58
